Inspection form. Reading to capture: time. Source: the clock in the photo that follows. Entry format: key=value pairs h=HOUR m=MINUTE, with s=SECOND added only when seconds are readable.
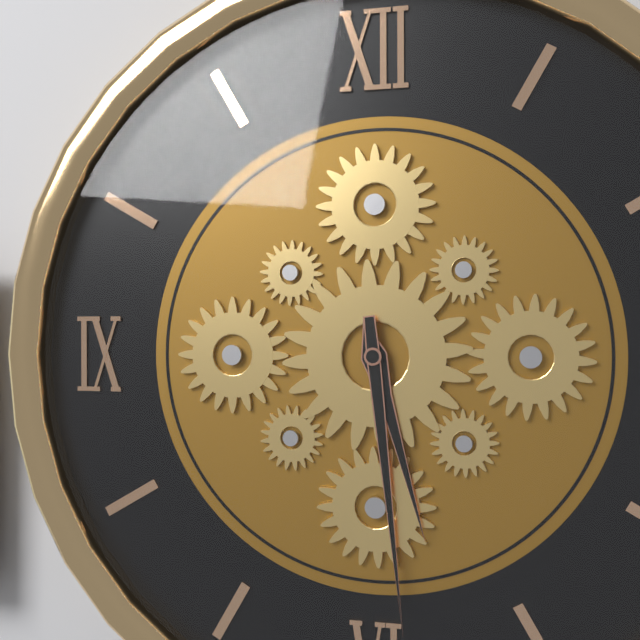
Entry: h=5 m=29
